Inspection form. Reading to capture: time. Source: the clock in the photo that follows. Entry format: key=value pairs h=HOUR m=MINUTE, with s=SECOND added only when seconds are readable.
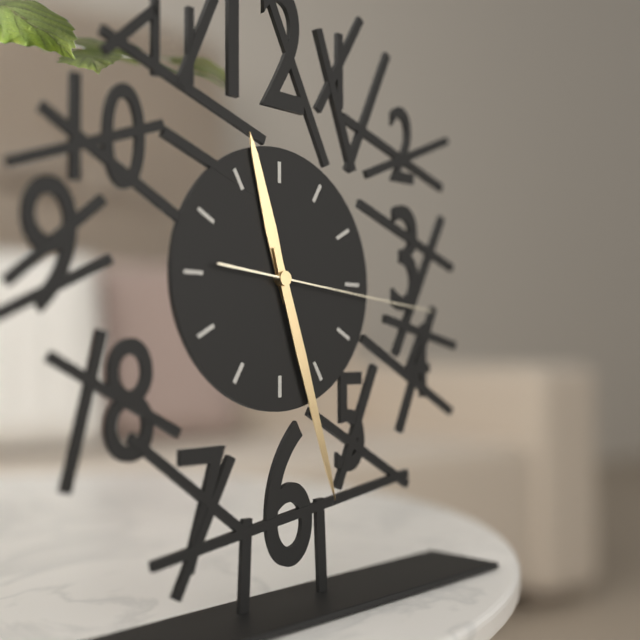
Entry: h=11 m=27 s=16
